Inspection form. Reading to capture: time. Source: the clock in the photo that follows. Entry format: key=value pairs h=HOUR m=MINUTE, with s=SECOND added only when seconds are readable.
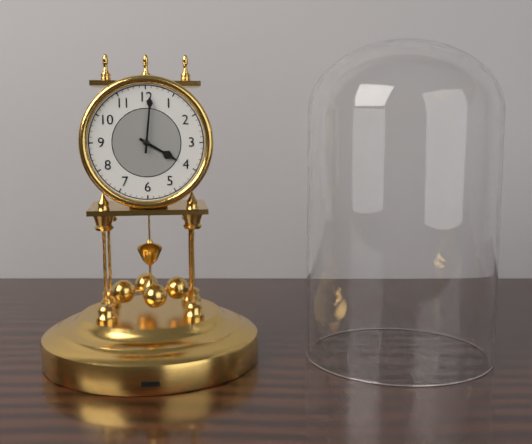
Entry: h=4 m=1
